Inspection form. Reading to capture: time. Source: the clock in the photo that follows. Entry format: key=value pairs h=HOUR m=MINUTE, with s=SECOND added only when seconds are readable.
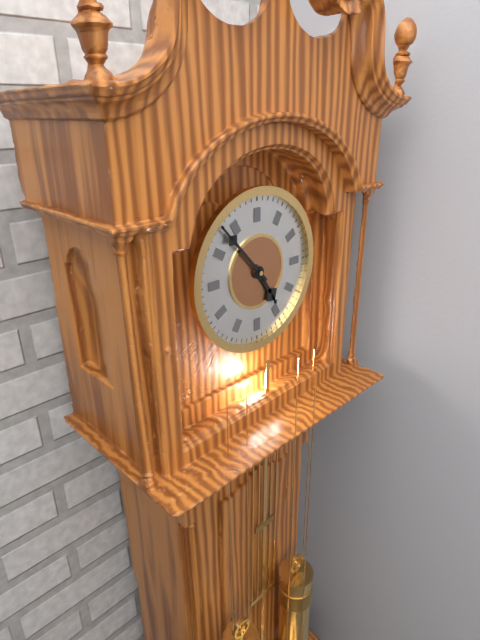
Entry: h=4 m=53
